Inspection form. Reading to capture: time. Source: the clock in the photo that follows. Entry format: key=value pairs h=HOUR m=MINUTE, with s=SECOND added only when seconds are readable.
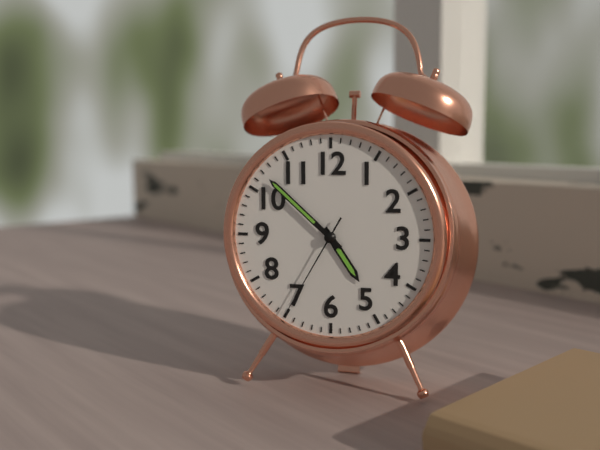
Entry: h=4 m=52 s=35
